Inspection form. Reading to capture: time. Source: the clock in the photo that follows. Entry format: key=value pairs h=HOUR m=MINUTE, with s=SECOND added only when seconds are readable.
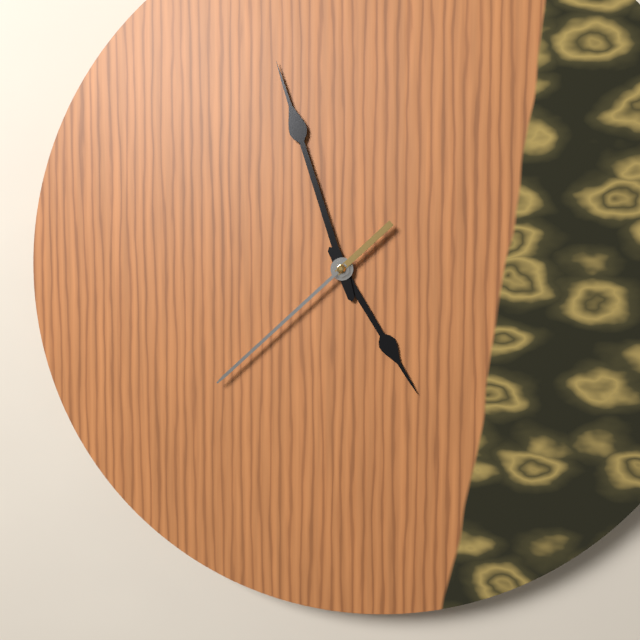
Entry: h=4 m=57 s=38
